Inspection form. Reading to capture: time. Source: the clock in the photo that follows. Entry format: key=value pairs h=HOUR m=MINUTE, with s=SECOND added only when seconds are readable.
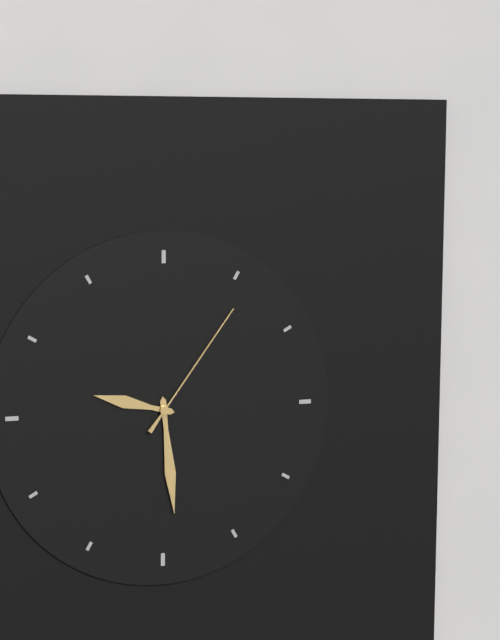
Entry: h=9 m=29 s=6
